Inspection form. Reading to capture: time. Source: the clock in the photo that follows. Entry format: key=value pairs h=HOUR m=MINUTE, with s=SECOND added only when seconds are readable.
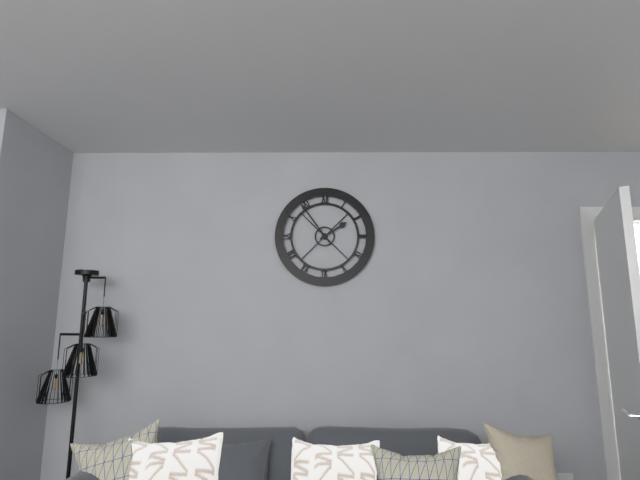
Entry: h=1 m=54
